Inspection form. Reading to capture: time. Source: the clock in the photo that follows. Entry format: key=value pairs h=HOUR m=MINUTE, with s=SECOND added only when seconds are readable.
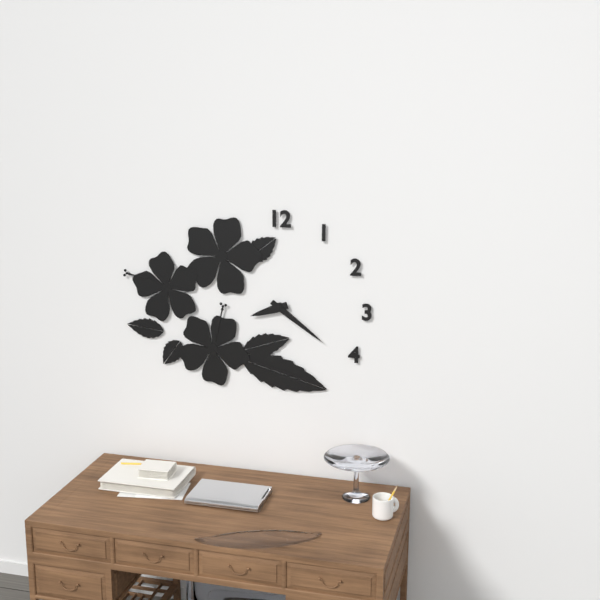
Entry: h=8 m=21
